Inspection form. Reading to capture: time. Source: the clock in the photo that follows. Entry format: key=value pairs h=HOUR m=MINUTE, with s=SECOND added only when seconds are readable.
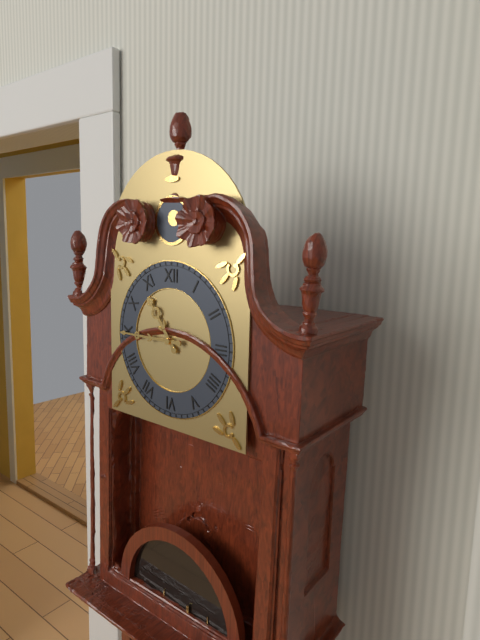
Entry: h=10 m=45
